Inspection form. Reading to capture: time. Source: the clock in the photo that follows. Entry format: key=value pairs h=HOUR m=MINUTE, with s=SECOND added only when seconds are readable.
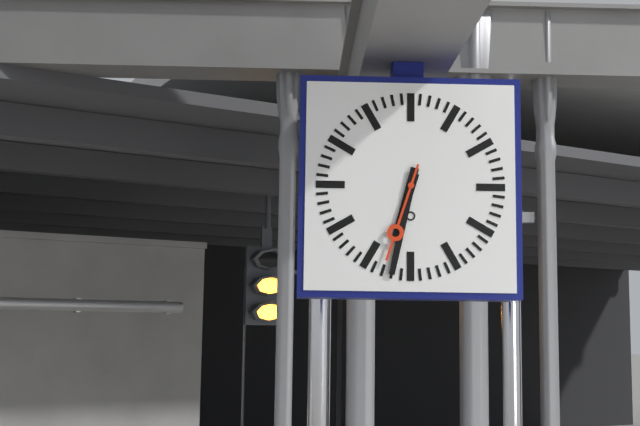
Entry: h=6 m=32 s=33
